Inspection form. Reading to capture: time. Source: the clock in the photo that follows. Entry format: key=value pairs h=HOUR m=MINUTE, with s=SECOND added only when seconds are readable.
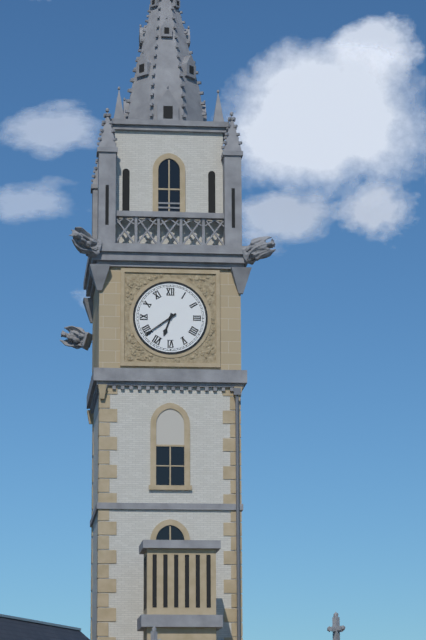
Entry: h=6 m=39
